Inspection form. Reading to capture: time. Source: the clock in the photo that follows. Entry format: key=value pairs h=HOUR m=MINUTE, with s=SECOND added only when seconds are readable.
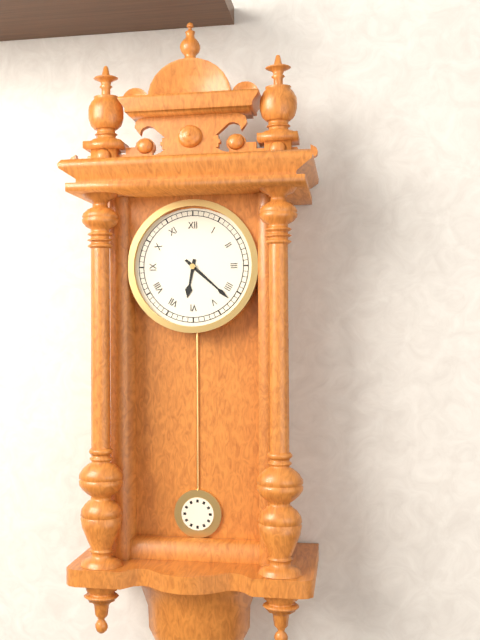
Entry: h=6 m=22
